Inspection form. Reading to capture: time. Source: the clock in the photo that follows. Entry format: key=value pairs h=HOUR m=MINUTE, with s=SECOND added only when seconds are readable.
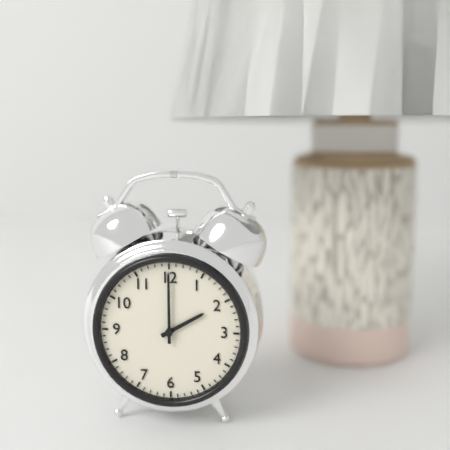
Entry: h=2 m=0
